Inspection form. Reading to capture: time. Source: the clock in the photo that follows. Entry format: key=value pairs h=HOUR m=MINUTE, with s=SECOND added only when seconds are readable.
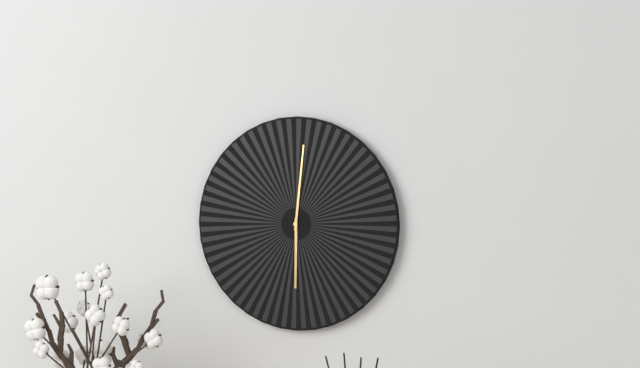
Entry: h=6 m=1
